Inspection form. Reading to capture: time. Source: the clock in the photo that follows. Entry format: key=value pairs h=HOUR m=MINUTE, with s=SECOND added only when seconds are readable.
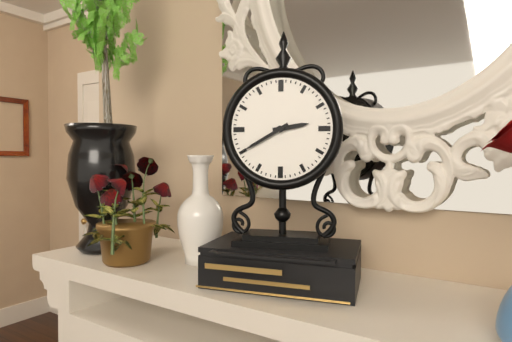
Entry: h=2 m=40
